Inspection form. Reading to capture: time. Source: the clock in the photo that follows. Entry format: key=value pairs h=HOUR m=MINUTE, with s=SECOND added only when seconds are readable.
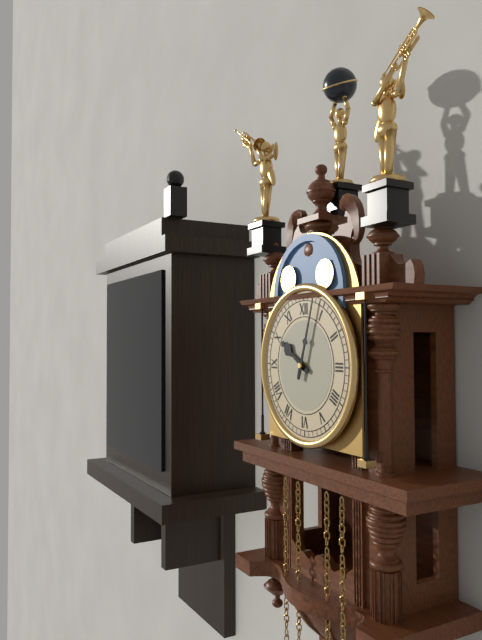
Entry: h=10 m=3
